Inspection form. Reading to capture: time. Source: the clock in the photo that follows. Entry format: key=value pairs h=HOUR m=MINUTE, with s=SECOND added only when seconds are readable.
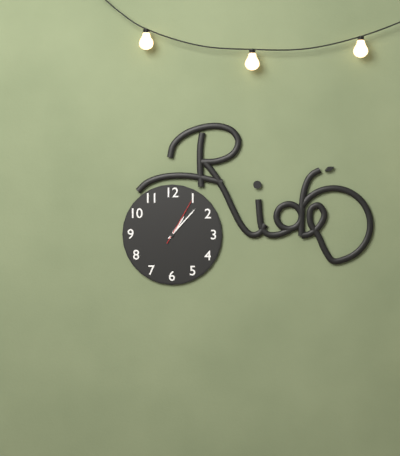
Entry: h=1 m=7
